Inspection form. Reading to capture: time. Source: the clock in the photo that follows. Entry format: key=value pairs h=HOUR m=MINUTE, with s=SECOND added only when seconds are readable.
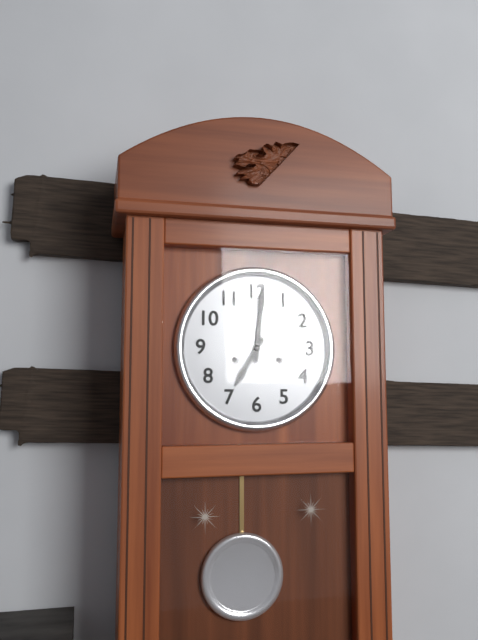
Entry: h=7 m=1
